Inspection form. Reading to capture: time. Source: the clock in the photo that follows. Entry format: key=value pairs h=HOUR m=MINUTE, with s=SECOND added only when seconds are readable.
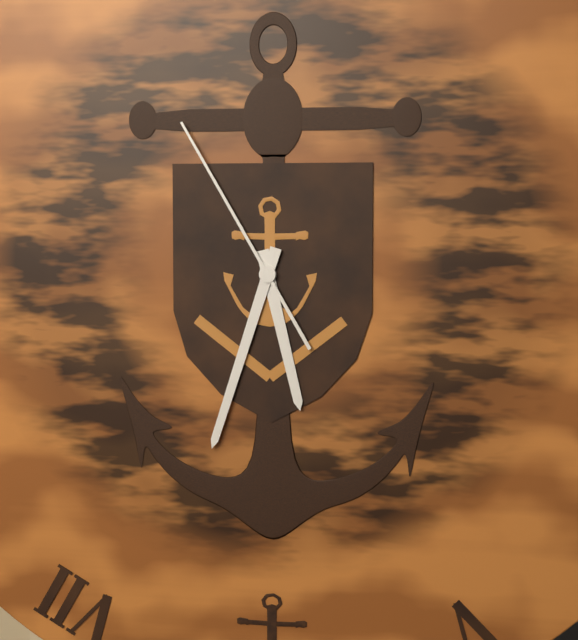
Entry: h=5 m=33 s=55
